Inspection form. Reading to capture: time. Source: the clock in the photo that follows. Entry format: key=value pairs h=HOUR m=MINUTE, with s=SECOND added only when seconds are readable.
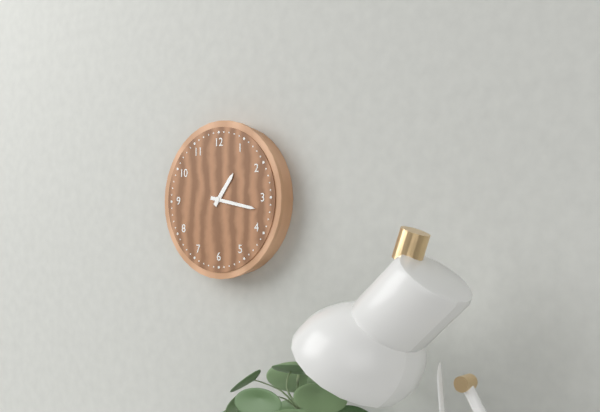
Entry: h=1 m=17
